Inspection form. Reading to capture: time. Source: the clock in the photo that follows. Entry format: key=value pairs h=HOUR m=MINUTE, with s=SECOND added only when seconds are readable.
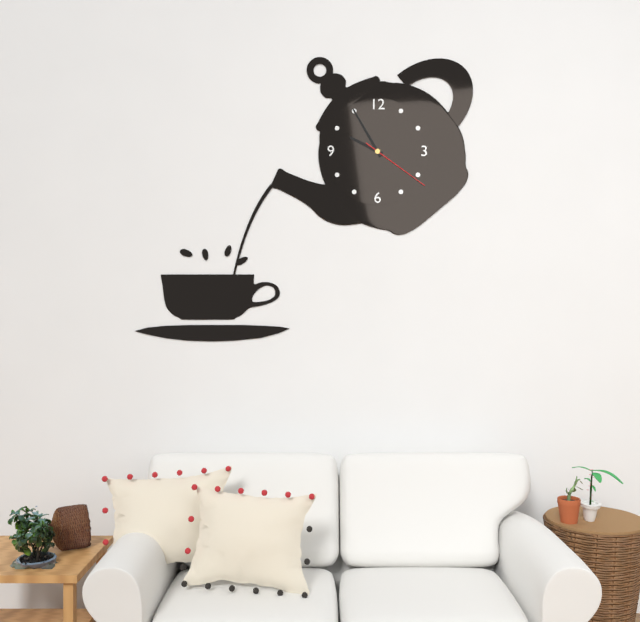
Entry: h=9 m=55 s=21
